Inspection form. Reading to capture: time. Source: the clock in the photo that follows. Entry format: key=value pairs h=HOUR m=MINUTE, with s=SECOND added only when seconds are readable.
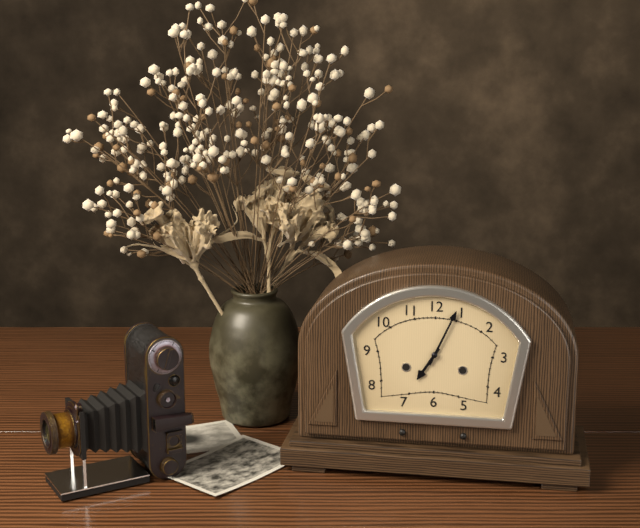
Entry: h=7 m=4
